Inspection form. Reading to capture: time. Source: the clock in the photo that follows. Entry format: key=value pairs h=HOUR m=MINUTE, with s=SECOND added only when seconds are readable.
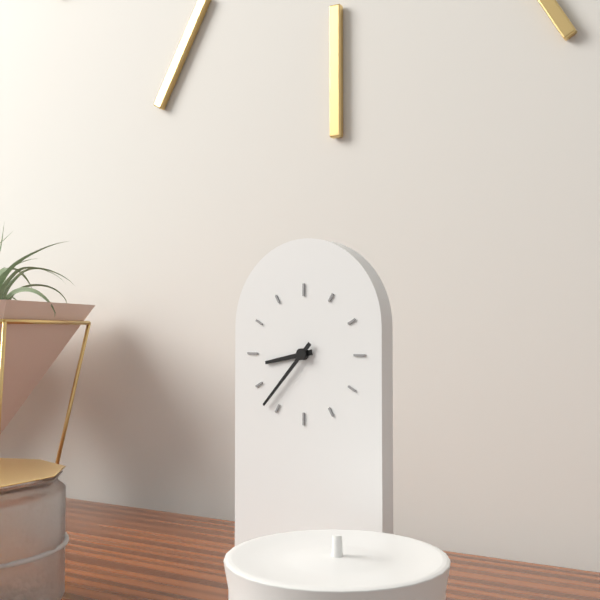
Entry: h=8 m=37
